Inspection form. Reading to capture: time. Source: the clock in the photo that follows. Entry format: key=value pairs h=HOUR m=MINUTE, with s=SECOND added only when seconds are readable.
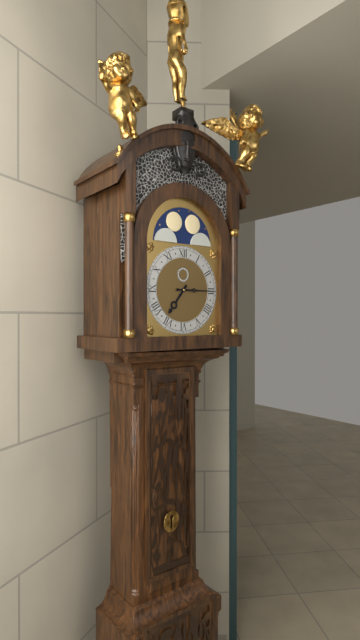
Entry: h=7 m=15
